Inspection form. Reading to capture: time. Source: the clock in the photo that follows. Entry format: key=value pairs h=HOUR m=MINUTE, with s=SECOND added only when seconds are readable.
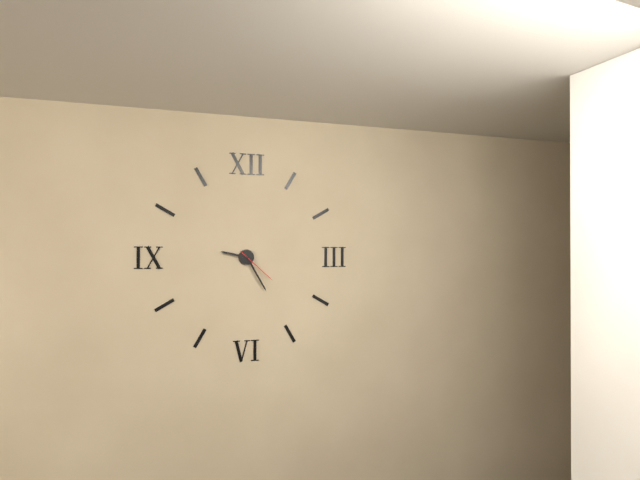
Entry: h=9 m=25
